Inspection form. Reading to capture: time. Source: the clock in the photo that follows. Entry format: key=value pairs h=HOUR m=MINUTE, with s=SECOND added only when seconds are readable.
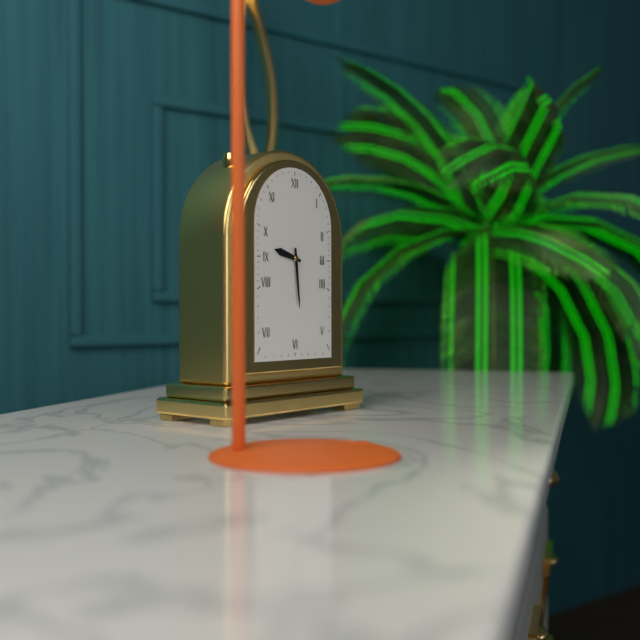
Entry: h=9 m=29
